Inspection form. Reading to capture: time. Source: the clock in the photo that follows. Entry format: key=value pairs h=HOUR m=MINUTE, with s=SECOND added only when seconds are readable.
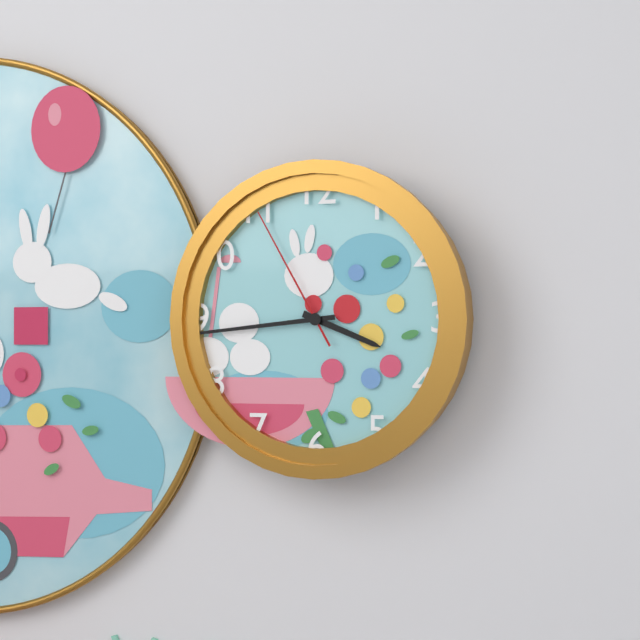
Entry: h=3 m=44 s=55
